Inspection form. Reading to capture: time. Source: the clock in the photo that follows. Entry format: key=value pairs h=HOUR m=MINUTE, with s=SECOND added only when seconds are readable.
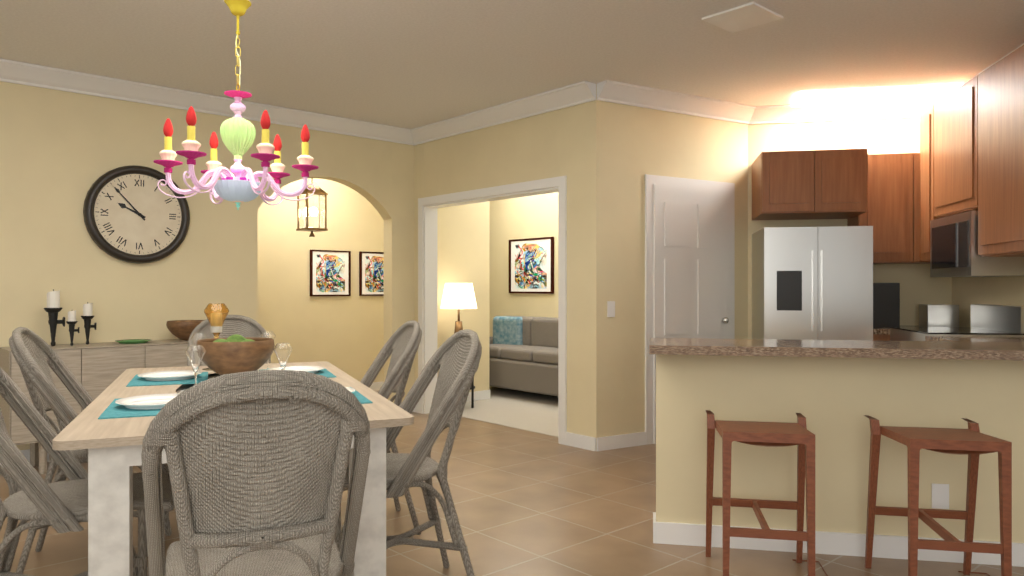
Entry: h=9 m=53
